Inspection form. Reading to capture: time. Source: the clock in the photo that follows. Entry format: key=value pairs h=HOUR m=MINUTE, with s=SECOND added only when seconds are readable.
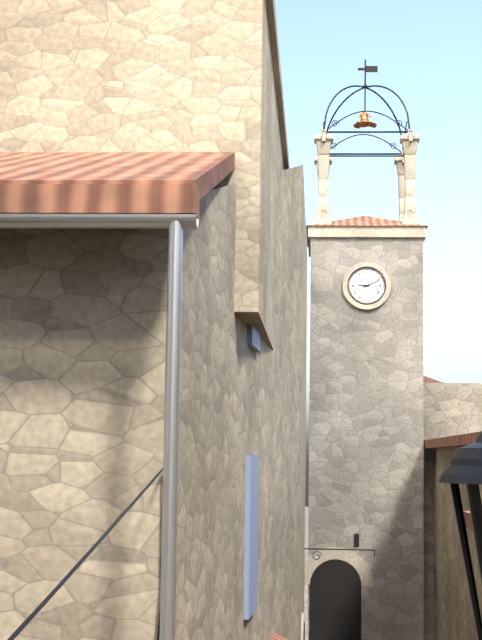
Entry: h=9 m=11
